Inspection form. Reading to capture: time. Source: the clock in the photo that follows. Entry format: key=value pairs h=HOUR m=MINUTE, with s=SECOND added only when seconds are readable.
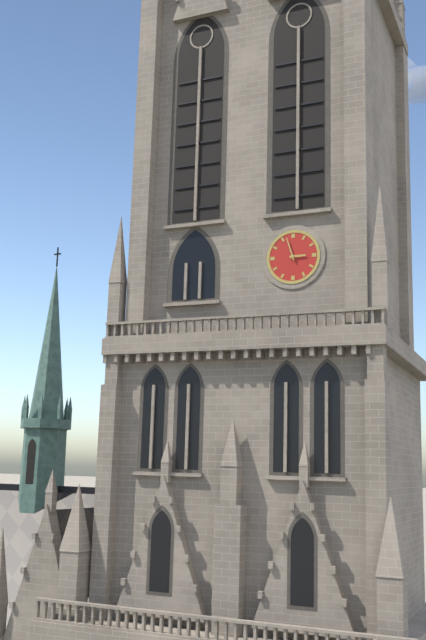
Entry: h=2 m=57
